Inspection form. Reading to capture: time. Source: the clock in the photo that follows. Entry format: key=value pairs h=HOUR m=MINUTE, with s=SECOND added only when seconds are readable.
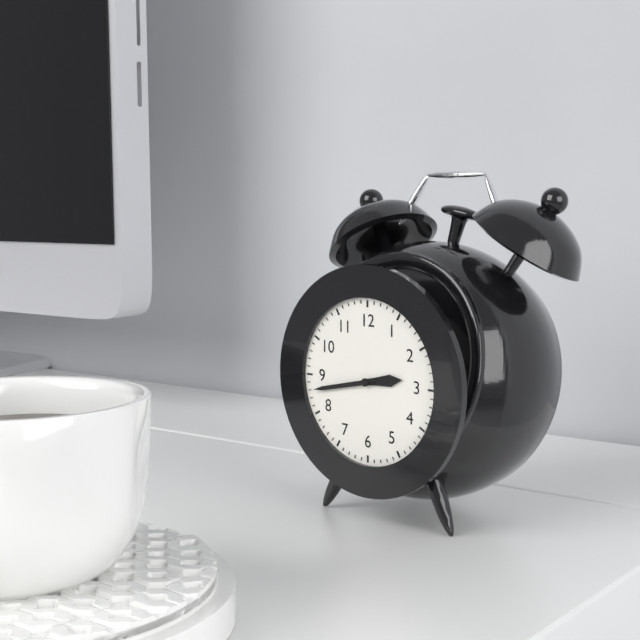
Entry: h=2 m=43
